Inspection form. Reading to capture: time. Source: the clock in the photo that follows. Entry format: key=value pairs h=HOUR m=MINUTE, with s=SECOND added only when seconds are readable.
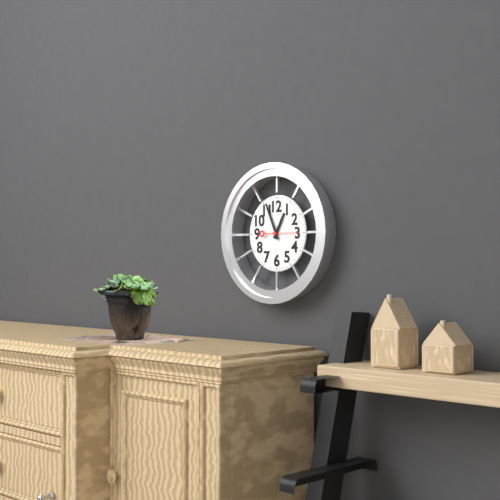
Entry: h=12 m=56
